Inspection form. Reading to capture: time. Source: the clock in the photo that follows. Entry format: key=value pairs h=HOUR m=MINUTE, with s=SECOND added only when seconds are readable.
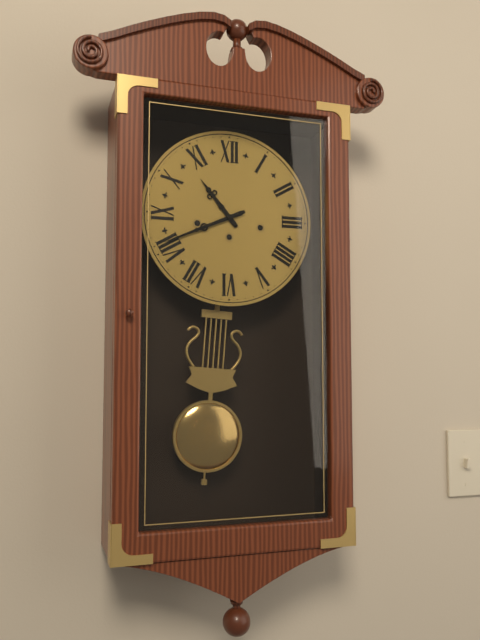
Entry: h=10 m=41
